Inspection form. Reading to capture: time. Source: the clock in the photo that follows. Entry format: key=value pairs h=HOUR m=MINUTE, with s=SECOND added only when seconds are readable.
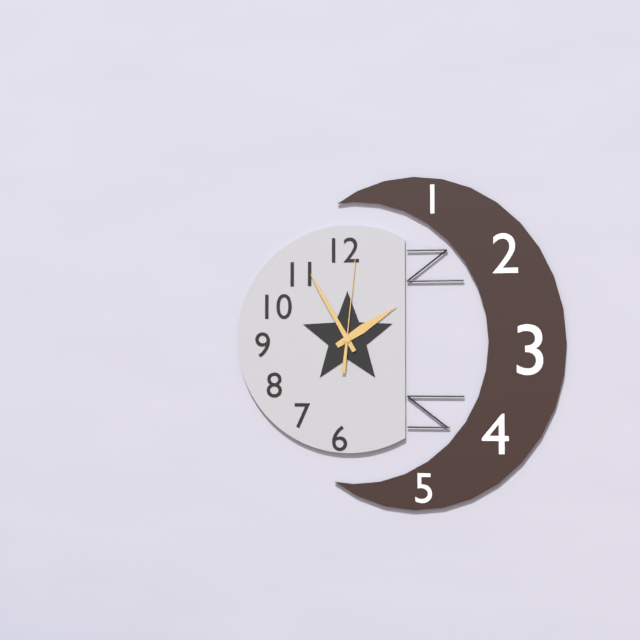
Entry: h=1 m=55 s=1
